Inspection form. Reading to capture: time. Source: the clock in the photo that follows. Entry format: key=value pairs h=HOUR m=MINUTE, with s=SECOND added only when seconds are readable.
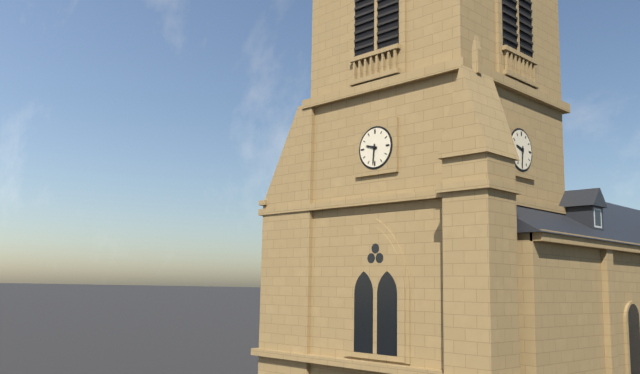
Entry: h=9 m=31
